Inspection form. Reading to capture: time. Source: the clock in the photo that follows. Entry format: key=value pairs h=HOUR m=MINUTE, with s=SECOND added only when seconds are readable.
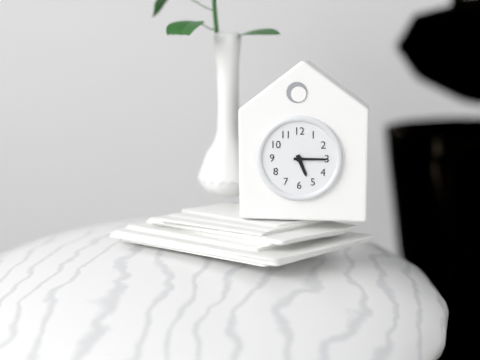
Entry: h=5 m=15
